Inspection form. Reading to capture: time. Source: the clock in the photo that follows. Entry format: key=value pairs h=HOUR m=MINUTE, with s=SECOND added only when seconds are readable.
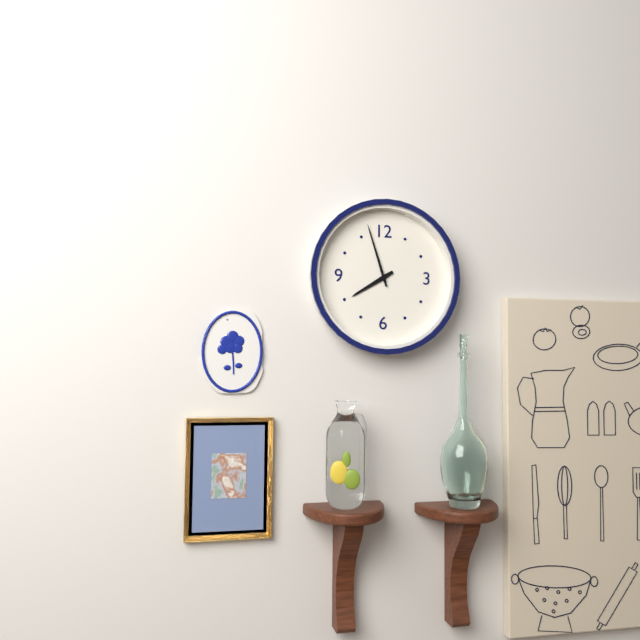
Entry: h=7 m=57
